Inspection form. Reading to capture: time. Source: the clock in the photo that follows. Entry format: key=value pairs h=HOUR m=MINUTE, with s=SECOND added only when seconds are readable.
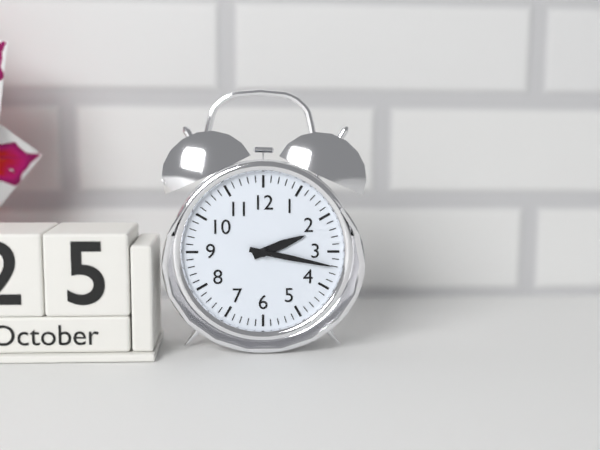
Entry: h=2 m=17
